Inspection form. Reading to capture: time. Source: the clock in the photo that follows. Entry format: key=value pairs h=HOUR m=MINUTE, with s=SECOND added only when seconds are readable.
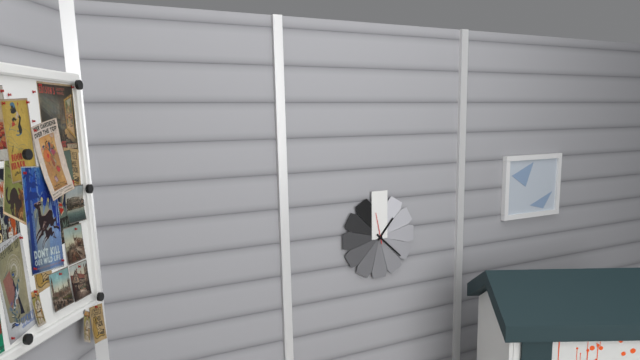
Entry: h=1 m=22
